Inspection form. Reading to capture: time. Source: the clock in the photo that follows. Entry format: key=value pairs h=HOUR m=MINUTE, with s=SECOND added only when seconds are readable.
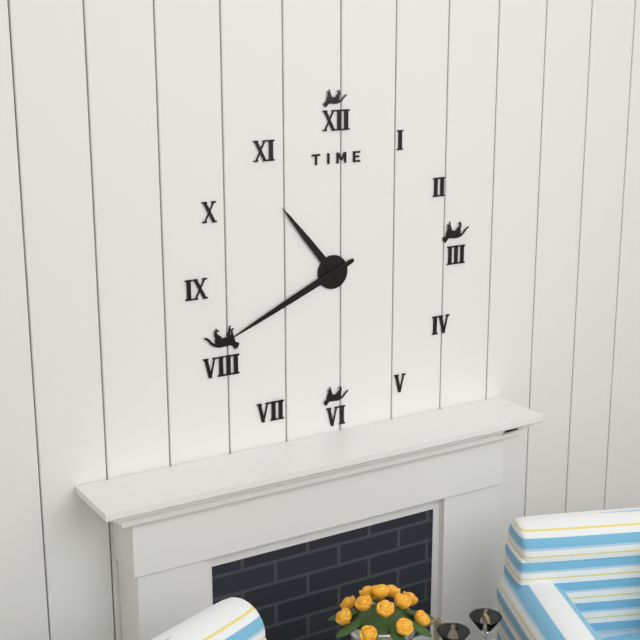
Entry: h=10 m=41
